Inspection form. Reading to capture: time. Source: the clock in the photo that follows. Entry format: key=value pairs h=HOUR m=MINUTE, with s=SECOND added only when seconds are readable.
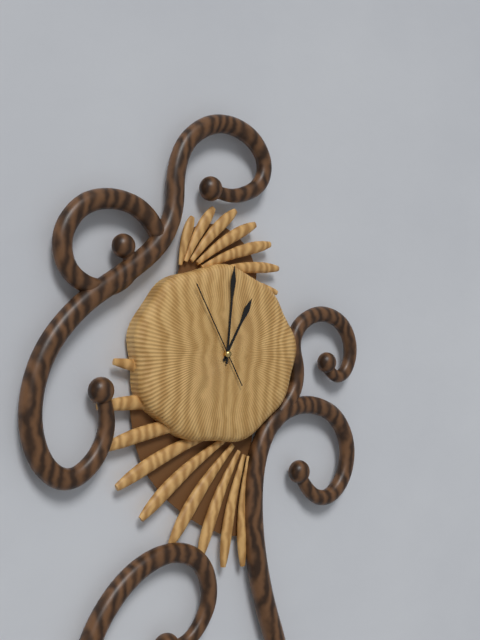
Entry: h=1 m=1 s=55
